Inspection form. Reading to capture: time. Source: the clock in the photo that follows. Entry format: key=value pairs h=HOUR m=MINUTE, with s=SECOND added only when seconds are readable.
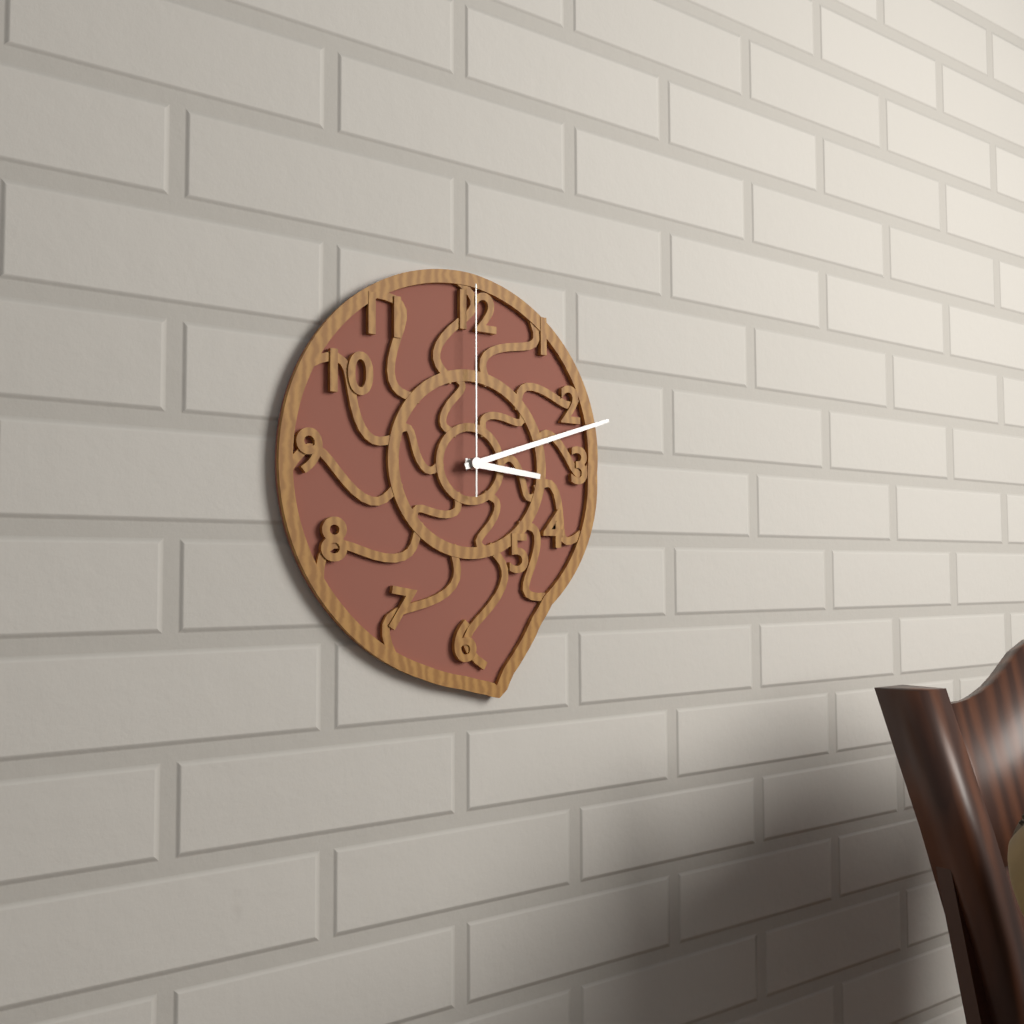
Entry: h=3 m=12 s=0
